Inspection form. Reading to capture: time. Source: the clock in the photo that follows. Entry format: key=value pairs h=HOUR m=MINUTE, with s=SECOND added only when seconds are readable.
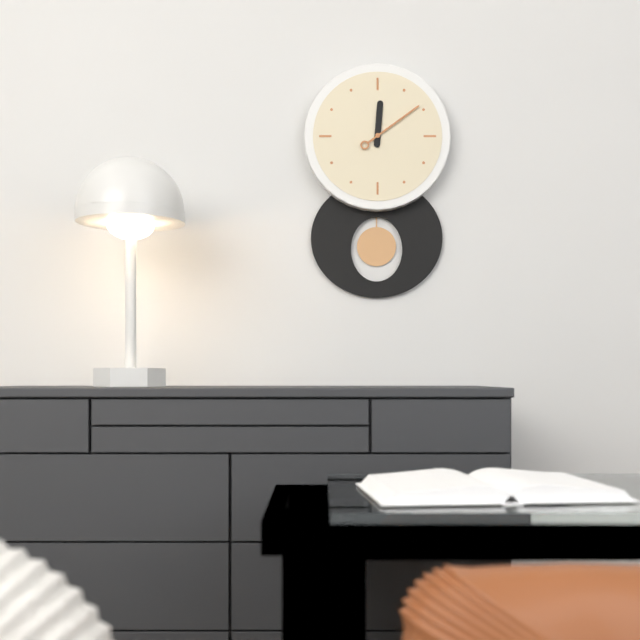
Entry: h=12 m=9
